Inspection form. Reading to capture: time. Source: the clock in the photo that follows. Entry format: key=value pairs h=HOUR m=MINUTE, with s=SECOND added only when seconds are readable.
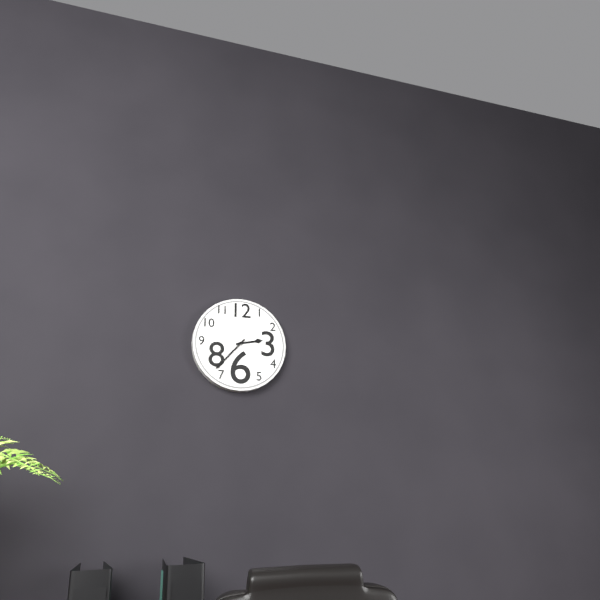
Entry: h=2 m=37
